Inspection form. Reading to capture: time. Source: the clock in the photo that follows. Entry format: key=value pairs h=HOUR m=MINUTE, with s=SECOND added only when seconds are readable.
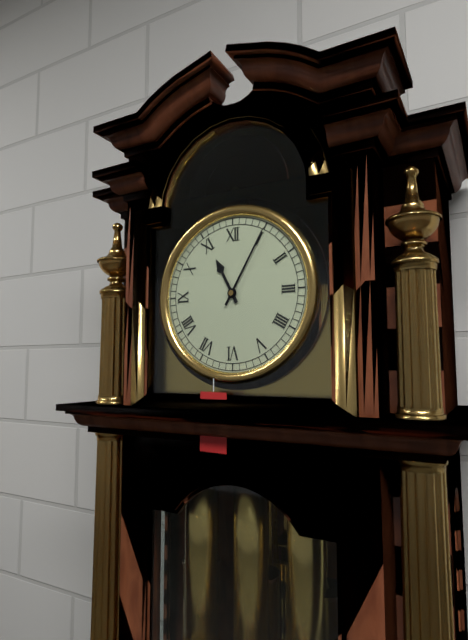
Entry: h=11 m=5
